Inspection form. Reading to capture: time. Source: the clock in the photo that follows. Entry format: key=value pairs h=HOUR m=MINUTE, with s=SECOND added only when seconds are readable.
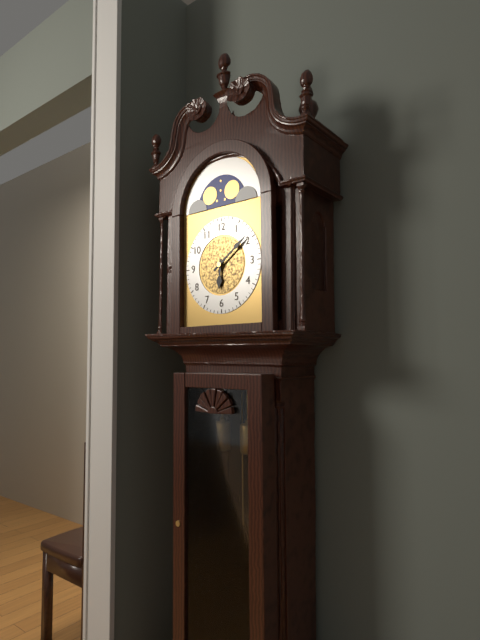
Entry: h=6 m=9
